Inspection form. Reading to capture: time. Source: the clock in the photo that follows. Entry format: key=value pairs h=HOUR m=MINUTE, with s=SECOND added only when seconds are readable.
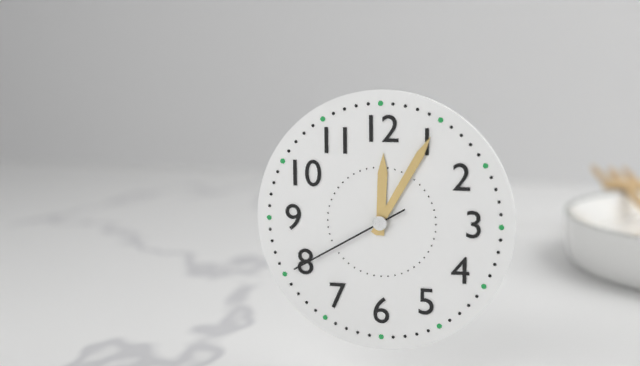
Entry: h=12 m=5 s=40
